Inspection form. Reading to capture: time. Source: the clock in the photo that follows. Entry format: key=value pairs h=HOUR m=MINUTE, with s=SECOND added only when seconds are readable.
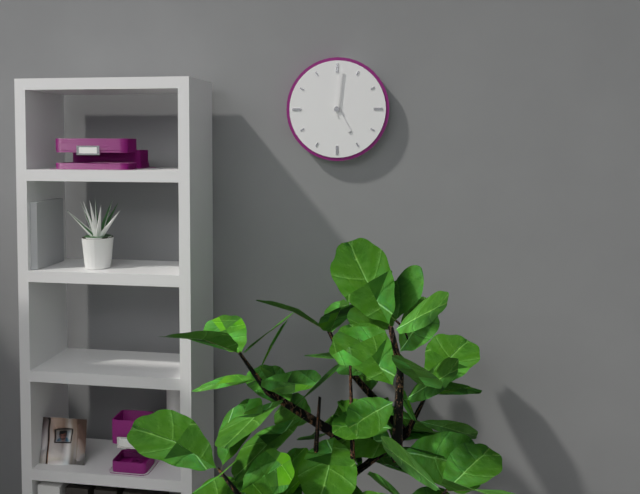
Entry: h=5 m=1
